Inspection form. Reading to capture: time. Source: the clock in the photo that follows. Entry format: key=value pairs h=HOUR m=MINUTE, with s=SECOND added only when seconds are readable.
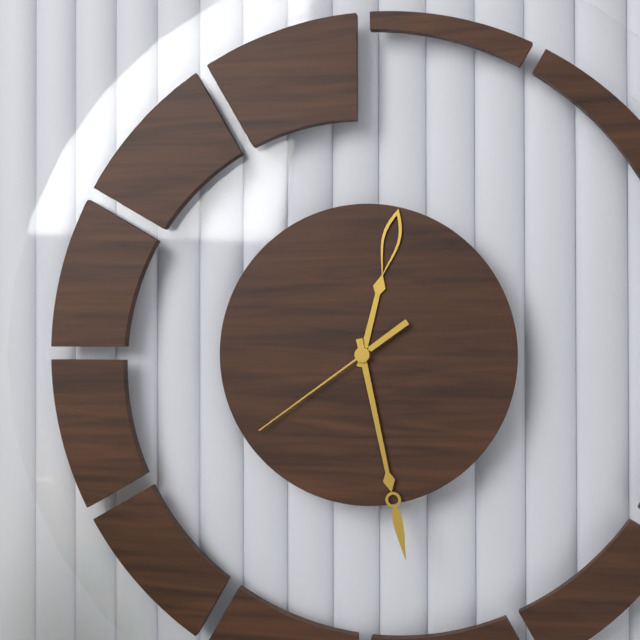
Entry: h=12 m=28 s=39
